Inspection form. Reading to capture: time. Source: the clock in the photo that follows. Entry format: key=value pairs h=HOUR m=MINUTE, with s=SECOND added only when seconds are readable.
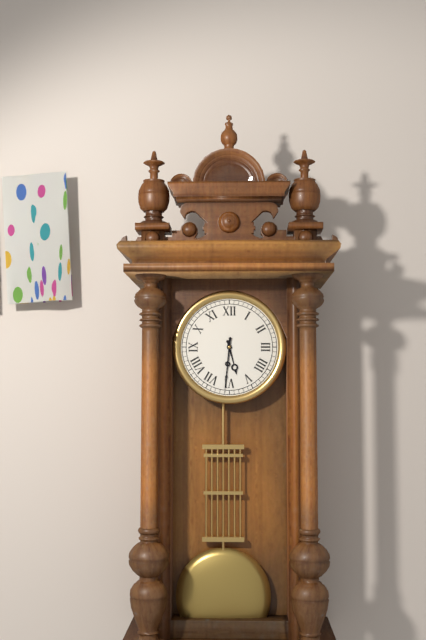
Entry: h=5 m=31
